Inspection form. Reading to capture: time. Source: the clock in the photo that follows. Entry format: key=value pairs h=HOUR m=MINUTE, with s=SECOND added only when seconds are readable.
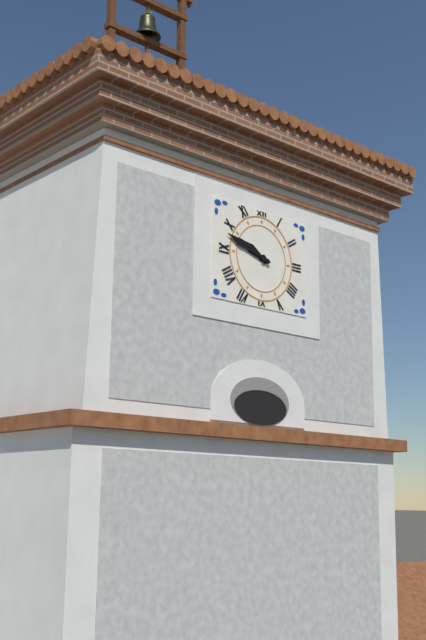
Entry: h=9 m=48
